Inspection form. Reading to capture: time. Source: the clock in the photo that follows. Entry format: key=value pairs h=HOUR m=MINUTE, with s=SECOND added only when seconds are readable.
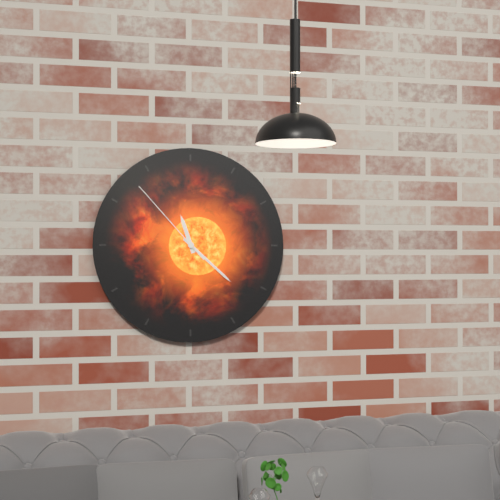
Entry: h=11 m=22 s=53
